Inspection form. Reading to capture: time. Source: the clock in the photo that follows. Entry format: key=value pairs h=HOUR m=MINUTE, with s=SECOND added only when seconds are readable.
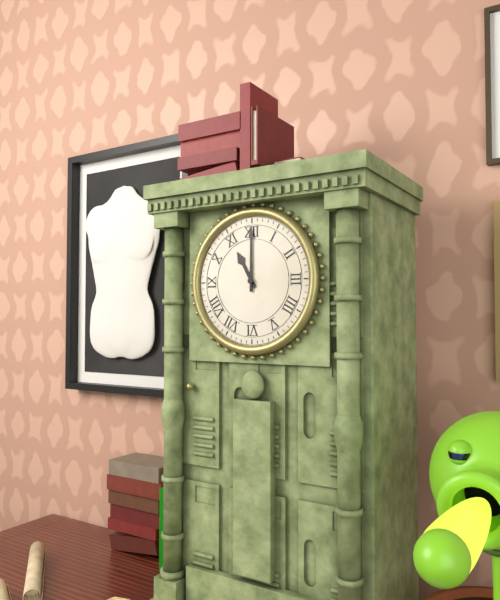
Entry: h=11 m=0
